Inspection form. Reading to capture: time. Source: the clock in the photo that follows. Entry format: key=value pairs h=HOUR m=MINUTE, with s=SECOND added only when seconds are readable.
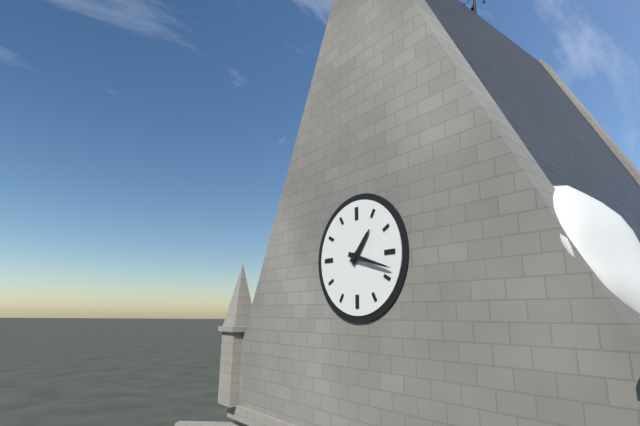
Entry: h=1 m=18
